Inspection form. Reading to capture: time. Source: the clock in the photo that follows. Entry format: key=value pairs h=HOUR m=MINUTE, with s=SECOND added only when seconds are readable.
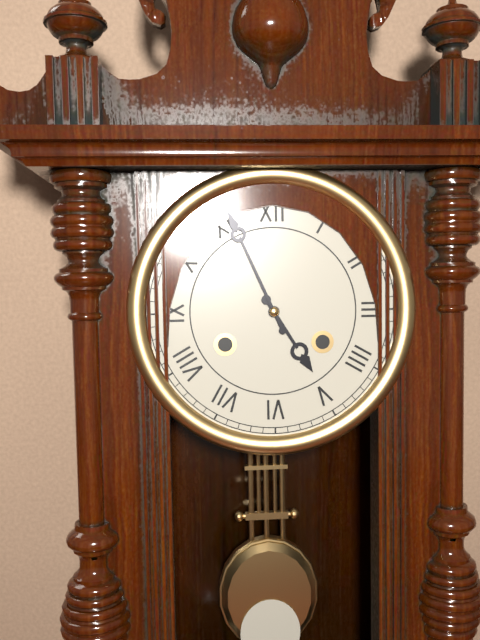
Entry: h=4 m=56
